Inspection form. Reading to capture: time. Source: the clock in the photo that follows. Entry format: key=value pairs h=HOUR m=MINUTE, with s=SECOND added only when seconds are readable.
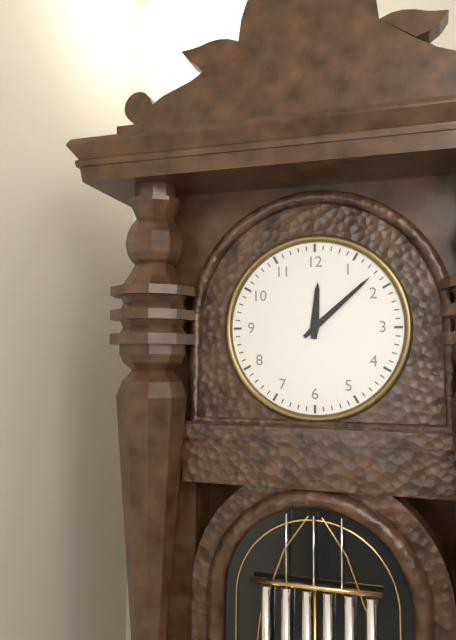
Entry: h=12 m=8
